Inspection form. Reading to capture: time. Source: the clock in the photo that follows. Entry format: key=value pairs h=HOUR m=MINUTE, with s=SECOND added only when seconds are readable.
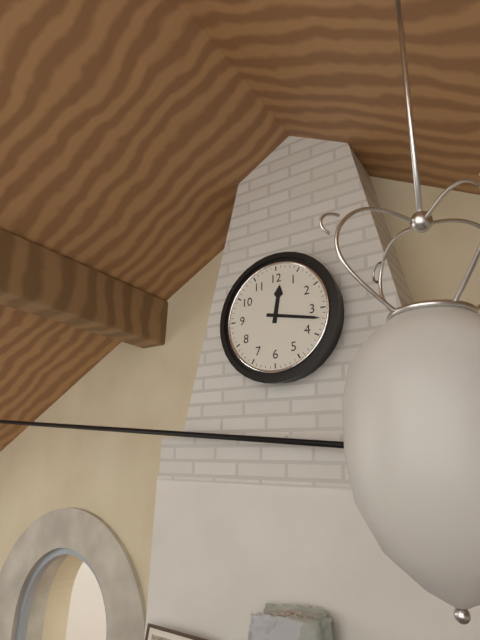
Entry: h=12 m=17
